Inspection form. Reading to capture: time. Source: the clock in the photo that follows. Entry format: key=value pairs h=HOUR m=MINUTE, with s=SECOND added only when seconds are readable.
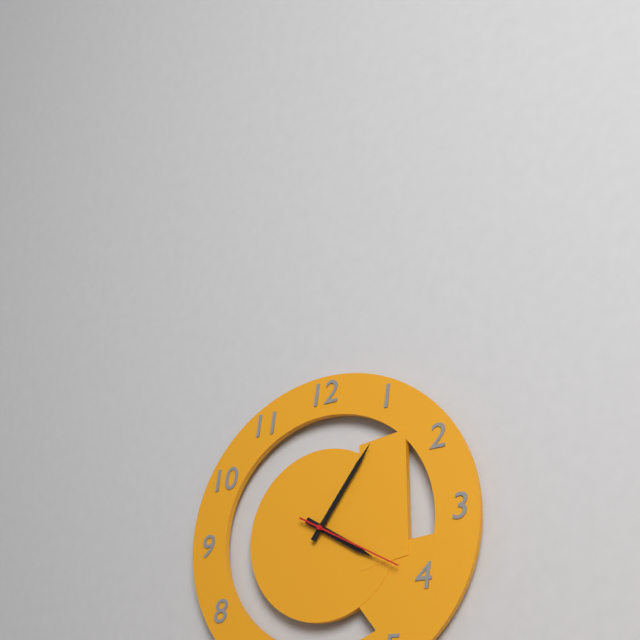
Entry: h=4 m=6 s=20
